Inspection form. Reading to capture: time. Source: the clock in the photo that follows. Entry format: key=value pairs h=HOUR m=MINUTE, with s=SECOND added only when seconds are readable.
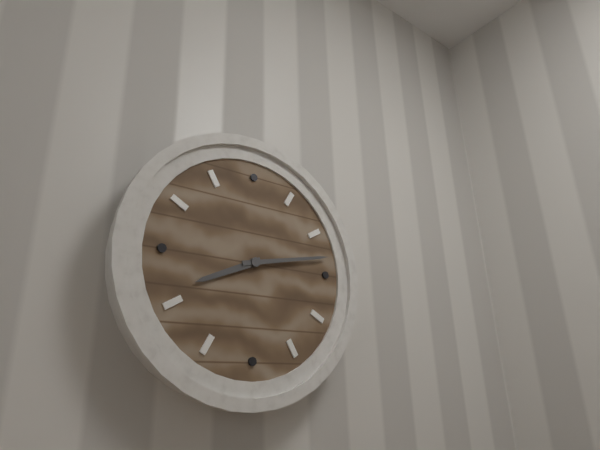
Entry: h=8 m=13
